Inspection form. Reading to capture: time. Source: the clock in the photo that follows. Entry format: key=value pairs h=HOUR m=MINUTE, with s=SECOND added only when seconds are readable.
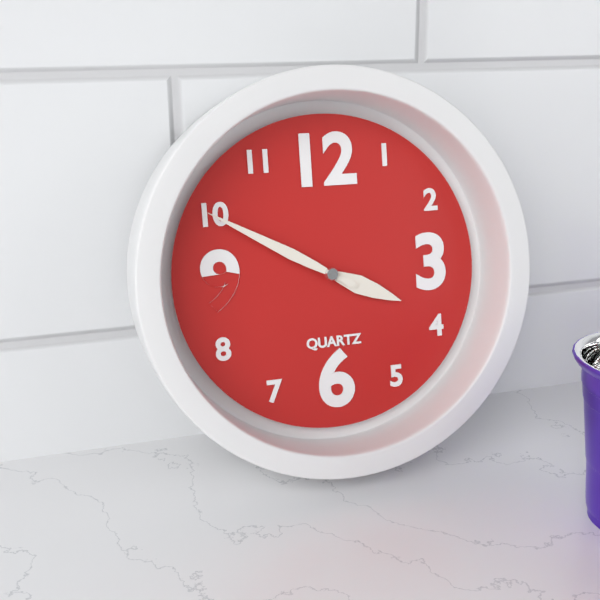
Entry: h=3 m=50
